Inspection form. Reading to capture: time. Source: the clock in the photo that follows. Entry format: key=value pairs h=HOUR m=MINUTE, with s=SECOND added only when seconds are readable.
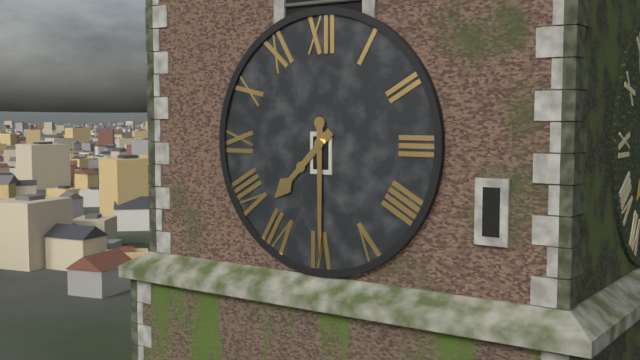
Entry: h=7 m=30
